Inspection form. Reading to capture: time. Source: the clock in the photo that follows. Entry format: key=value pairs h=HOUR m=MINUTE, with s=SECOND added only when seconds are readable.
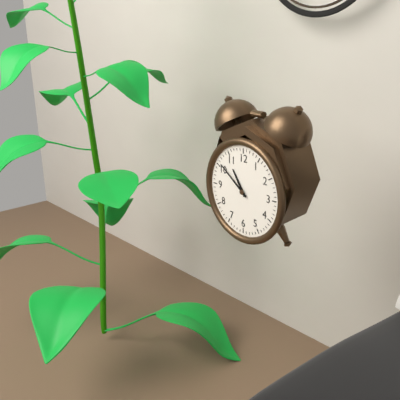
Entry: h=10 m=51
